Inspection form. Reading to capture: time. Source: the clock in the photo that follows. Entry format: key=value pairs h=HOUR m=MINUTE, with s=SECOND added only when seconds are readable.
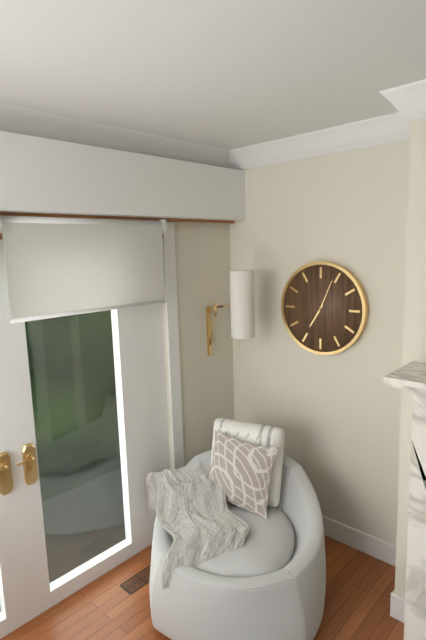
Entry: h=7 m=4
